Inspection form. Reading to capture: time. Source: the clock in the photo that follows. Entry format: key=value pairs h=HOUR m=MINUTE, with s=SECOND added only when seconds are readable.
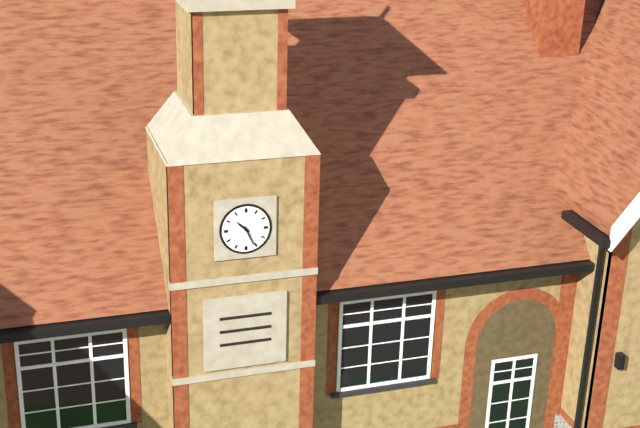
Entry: h=10 m=26
